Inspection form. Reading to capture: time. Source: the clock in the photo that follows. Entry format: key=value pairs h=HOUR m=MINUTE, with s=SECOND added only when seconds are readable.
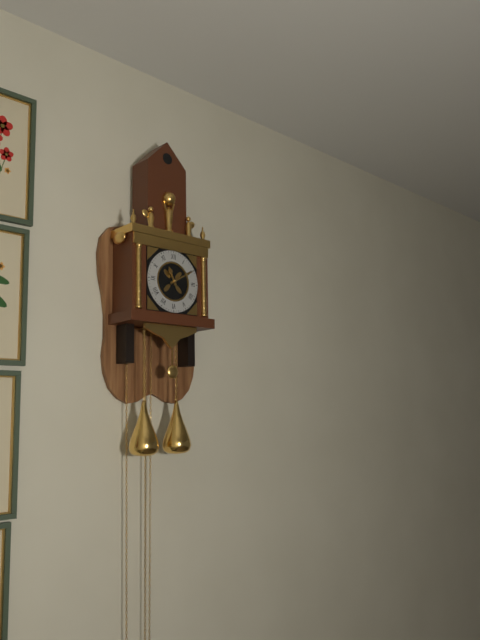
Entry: h=11 m=10
